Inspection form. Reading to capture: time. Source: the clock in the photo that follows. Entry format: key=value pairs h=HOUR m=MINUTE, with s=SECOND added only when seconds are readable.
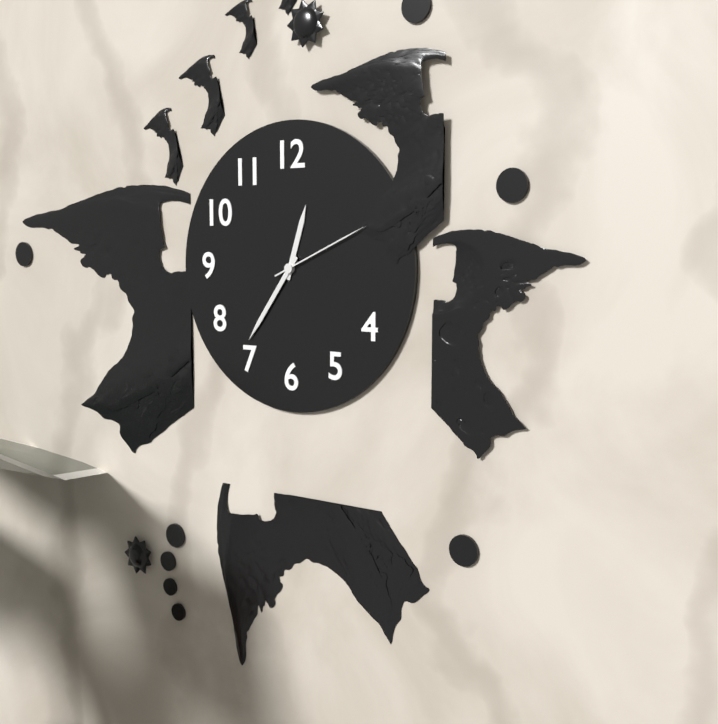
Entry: h=12 m=36 s=11
